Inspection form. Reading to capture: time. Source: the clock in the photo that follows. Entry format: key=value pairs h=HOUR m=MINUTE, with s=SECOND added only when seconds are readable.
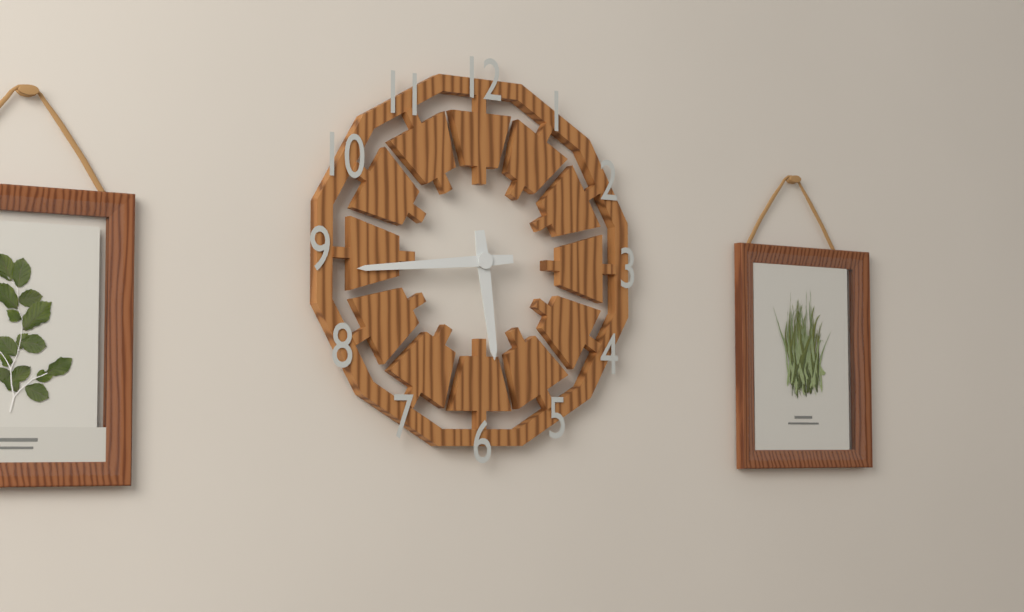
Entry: h=5 m=44
